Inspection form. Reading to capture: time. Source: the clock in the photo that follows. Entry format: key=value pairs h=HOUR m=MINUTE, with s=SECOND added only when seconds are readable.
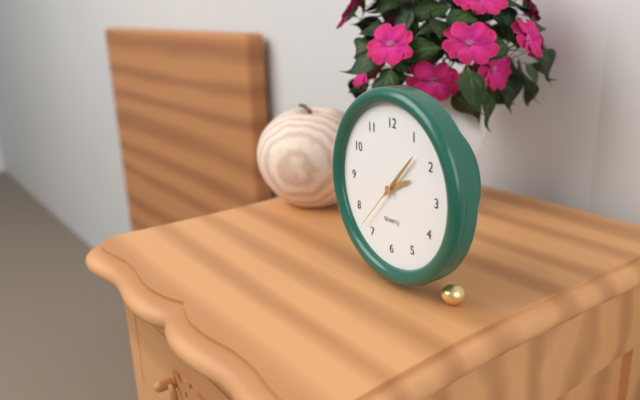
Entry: h=2 m=7 s=37
